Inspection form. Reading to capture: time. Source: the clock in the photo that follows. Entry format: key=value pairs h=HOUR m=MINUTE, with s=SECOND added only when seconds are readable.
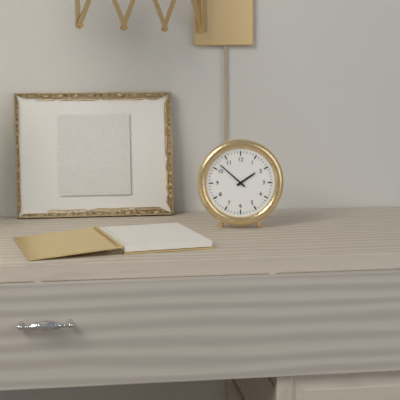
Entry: h=1 m=52
